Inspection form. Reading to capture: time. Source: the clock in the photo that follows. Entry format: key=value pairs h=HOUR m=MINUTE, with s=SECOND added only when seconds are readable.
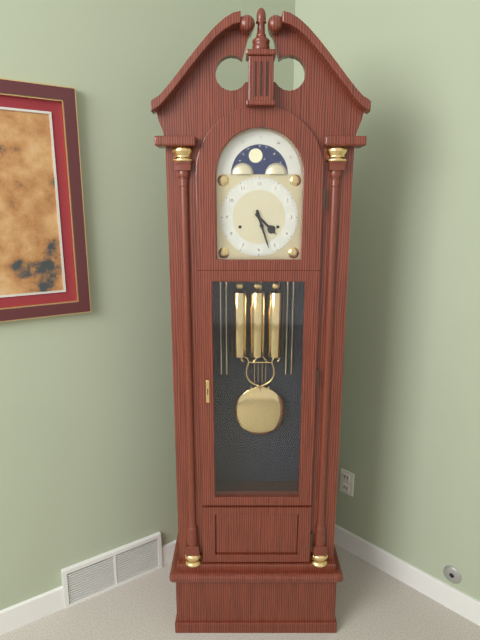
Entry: h=4 m=27
